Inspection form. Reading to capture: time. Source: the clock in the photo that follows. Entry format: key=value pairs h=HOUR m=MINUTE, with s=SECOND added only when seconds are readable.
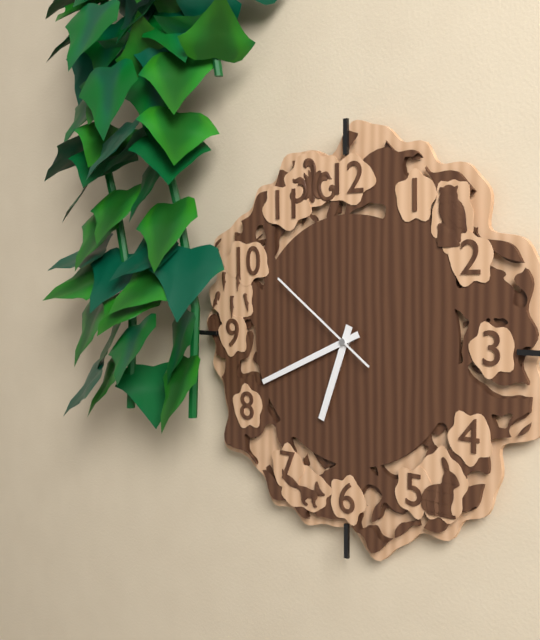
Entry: h=6 m=41 s=51
